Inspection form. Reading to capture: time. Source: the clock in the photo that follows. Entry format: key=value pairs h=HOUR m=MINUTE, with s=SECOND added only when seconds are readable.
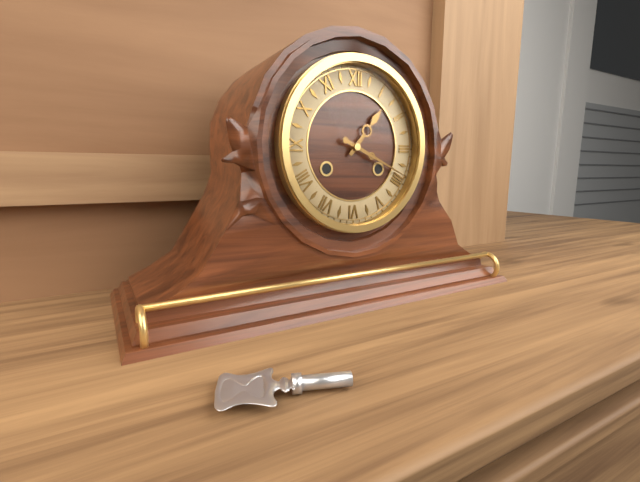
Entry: h=1 m=19
